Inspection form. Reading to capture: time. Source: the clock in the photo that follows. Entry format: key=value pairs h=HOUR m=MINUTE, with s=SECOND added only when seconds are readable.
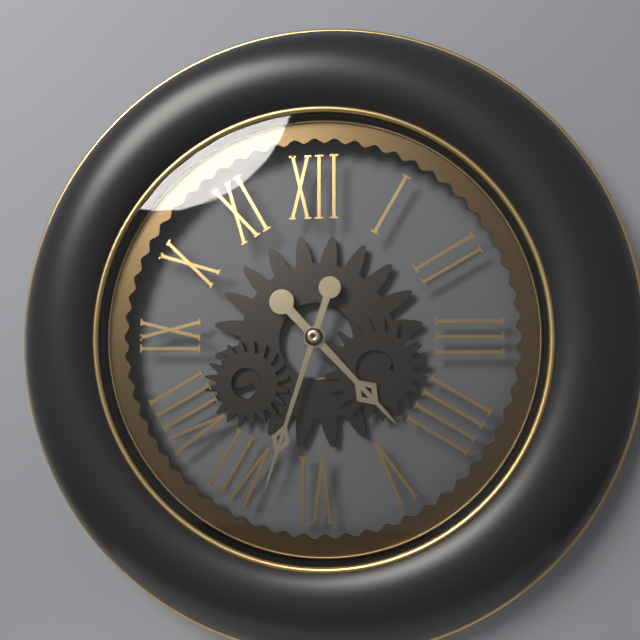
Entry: h=4 m=33
